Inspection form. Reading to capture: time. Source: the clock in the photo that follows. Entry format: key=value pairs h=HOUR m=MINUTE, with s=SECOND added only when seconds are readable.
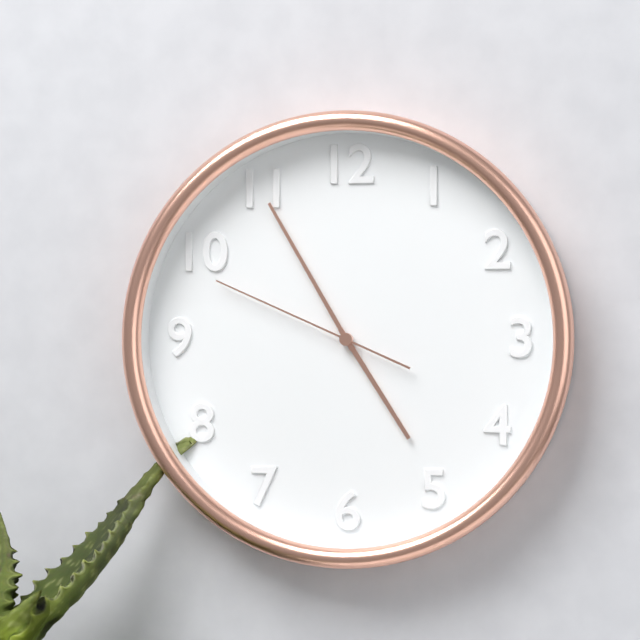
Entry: h=4 m=55 s=49
